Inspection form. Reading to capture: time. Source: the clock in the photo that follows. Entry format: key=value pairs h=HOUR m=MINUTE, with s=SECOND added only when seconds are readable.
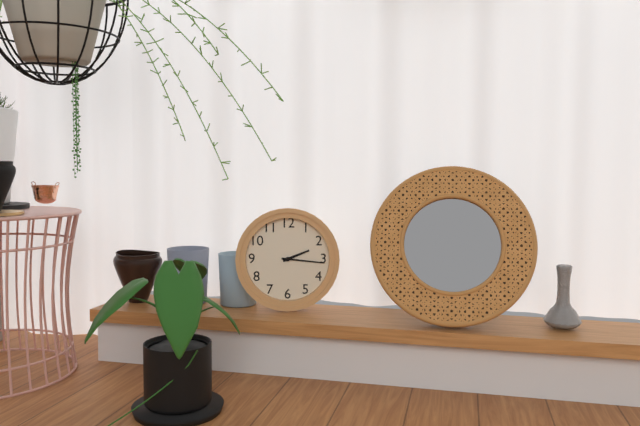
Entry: h=2 m=16
